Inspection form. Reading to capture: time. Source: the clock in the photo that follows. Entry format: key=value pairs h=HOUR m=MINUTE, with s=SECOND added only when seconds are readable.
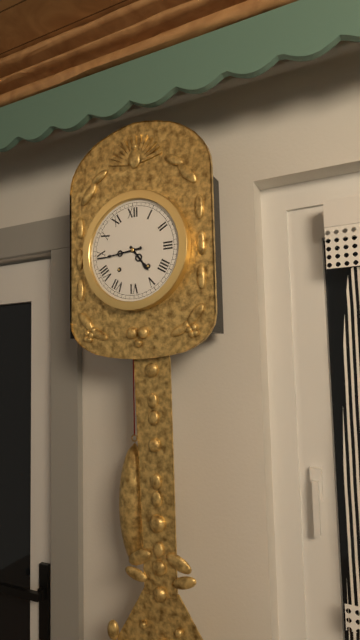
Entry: h=4 m=44
